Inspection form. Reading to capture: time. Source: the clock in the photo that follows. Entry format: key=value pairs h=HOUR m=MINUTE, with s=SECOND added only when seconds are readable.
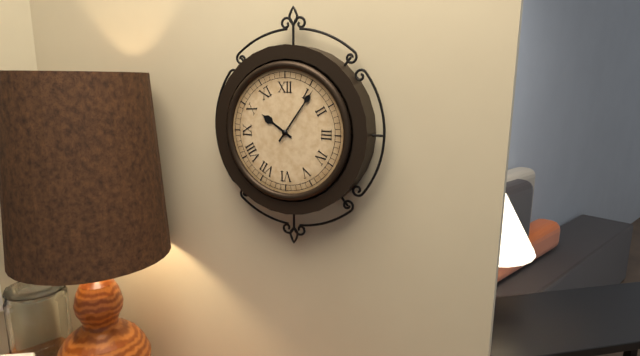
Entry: h=10 m=6
